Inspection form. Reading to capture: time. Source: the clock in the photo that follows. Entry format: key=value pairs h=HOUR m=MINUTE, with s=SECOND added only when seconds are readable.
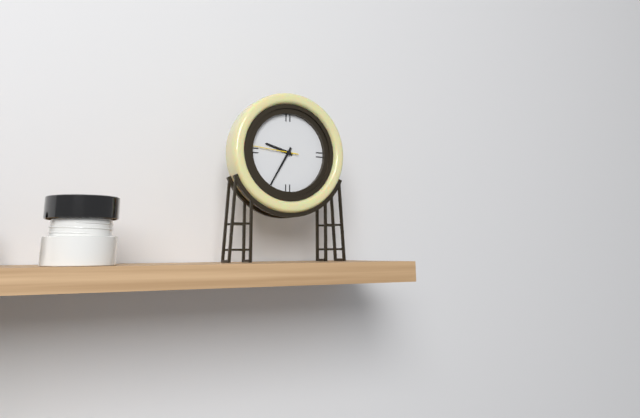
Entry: h=9 m=35
